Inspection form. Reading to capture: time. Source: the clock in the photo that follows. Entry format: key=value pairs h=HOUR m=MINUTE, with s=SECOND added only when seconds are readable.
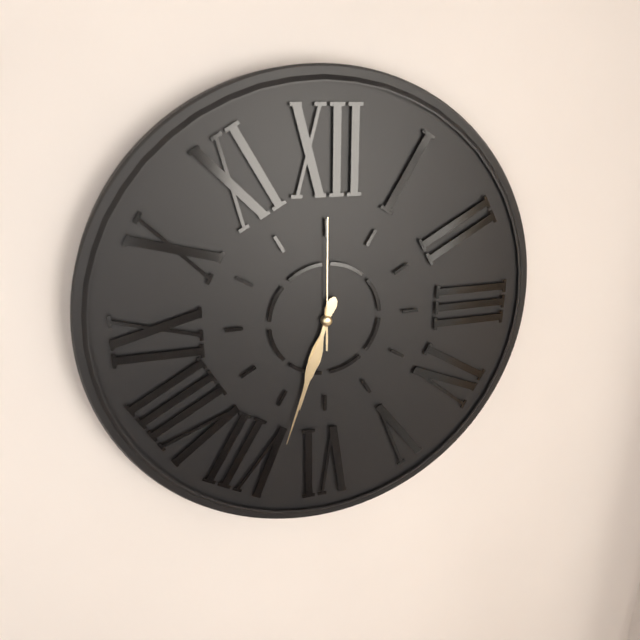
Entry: h=6 m=33 s=0
